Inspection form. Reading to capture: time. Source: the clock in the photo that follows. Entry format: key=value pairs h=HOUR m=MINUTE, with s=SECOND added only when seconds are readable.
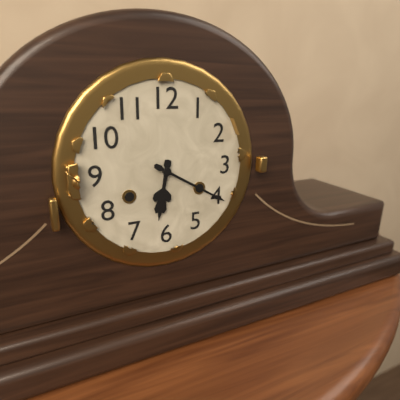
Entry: h=6 m=20
